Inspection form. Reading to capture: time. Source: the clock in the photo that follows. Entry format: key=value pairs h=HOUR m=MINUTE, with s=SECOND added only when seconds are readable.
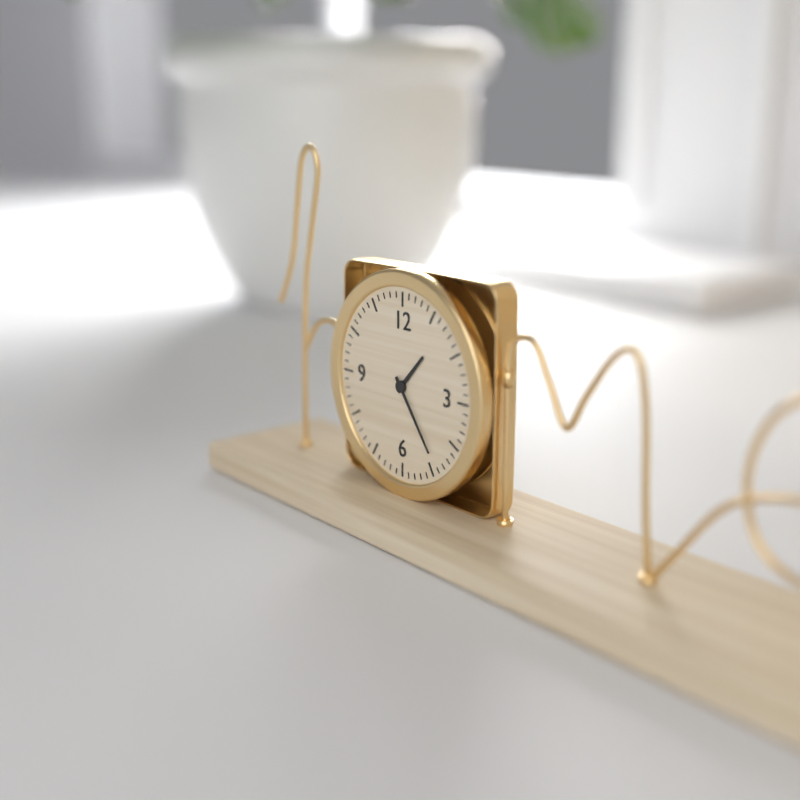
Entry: h=1 m=24
